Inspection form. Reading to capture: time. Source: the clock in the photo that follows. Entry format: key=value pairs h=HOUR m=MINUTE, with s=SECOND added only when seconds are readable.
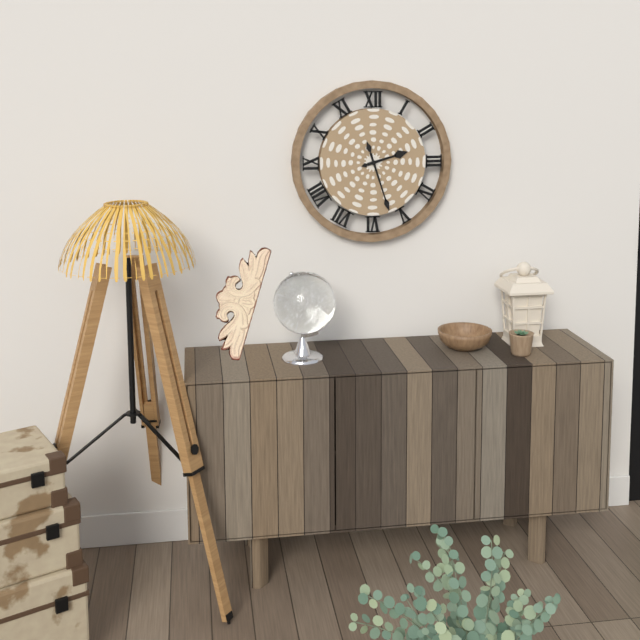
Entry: h=2 m=27
